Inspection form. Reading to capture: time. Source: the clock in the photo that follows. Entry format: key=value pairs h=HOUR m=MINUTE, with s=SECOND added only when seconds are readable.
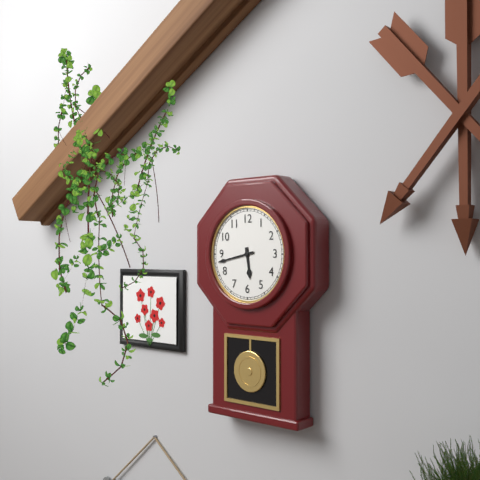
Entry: h=5 m=43
